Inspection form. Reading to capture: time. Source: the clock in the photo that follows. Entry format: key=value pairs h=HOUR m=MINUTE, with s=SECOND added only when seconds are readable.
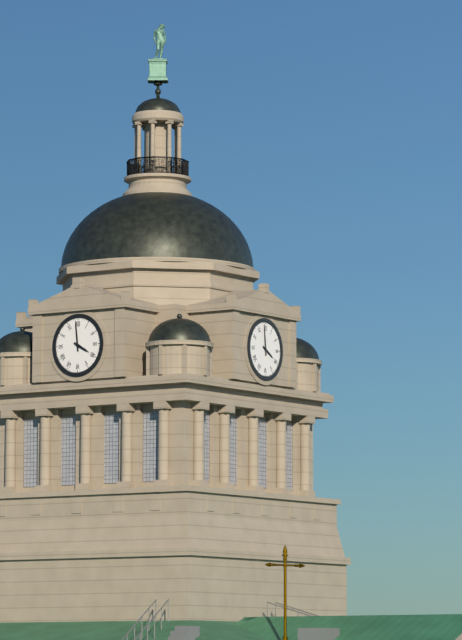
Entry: h=3 m=59
